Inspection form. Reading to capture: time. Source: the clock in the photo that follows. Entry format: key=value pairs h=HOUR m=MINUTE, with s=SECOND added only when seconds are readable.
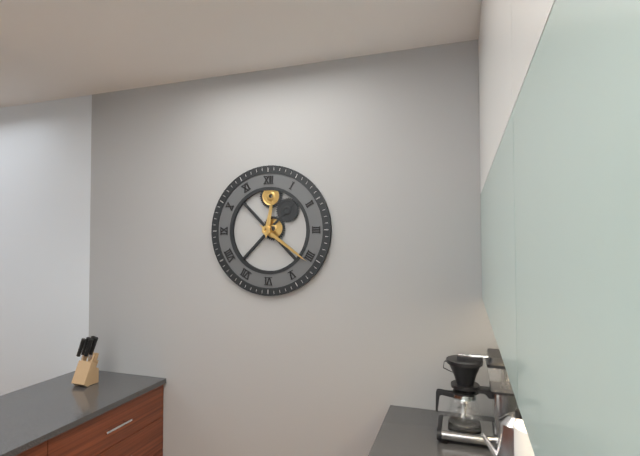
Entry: h=12 m=21
